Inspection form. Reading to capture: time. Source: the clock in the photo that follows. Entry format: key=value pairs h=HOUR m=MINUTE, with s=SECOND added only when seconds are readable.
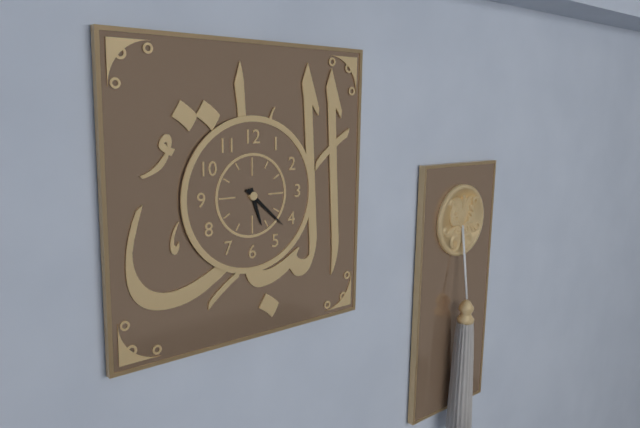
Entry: h=5 m=22
